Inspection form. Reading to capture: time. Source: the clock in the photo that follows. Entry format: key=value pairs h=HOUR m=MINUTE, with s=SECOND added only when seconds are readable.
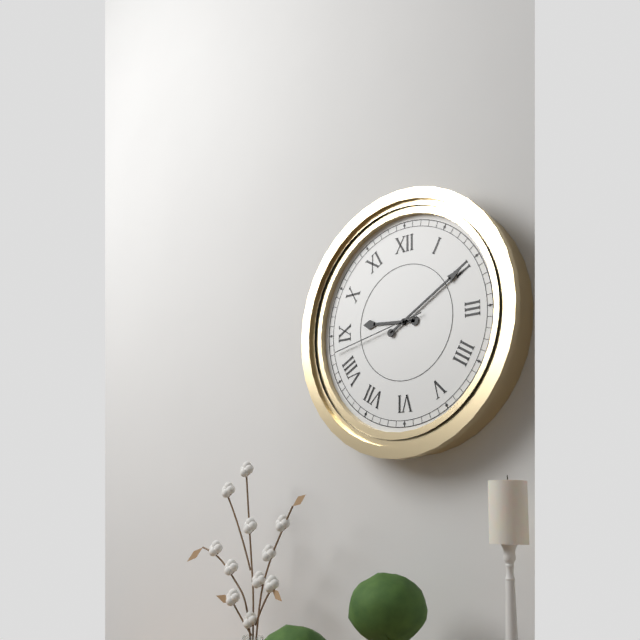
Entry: h=9 m=10 s=43
